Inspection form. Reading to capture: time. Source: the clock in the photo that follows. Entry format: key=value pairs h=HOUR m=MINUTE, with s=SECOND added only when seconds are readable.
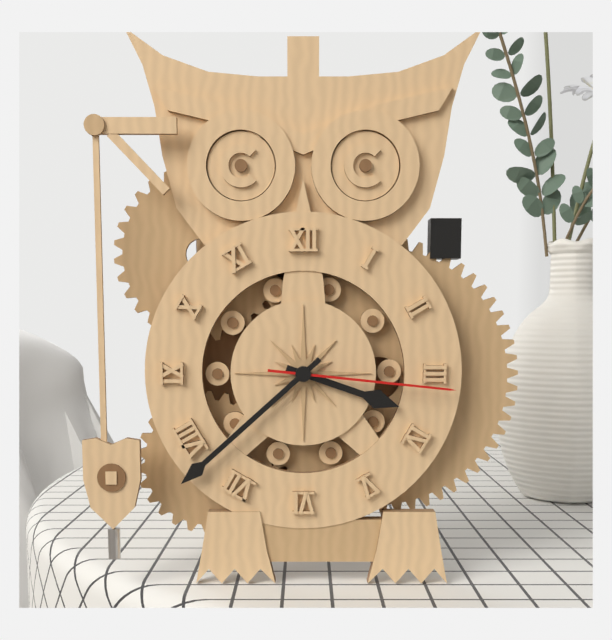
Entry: h=3 m=38 s=16
